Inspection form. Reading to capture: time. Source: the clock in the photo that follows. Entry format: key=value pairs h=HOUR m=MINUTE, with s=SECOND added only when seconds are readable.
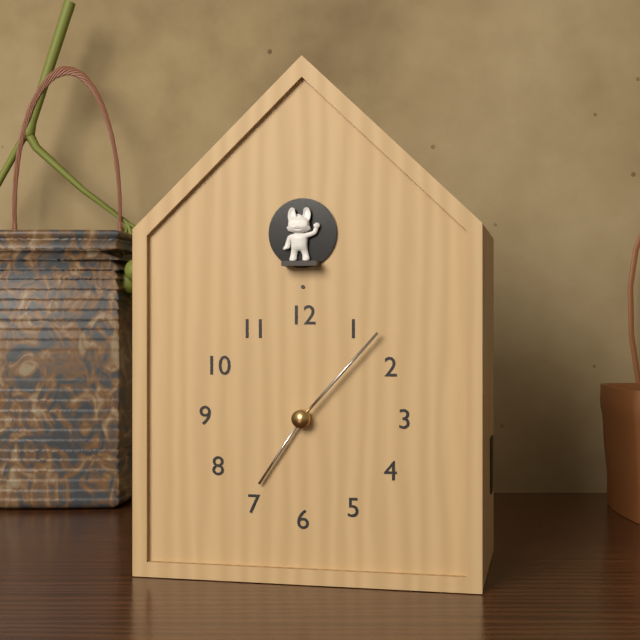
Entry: h=7 m=7
